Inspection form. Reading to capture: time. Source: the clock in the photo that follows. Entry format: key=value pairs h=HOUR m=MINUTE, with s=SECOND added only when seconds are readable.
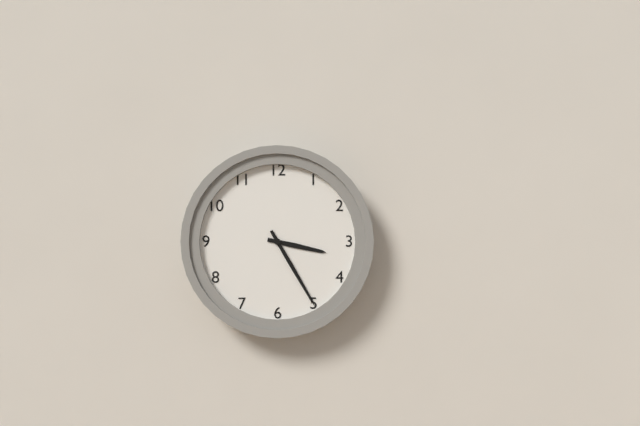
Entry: h=3 m=25
